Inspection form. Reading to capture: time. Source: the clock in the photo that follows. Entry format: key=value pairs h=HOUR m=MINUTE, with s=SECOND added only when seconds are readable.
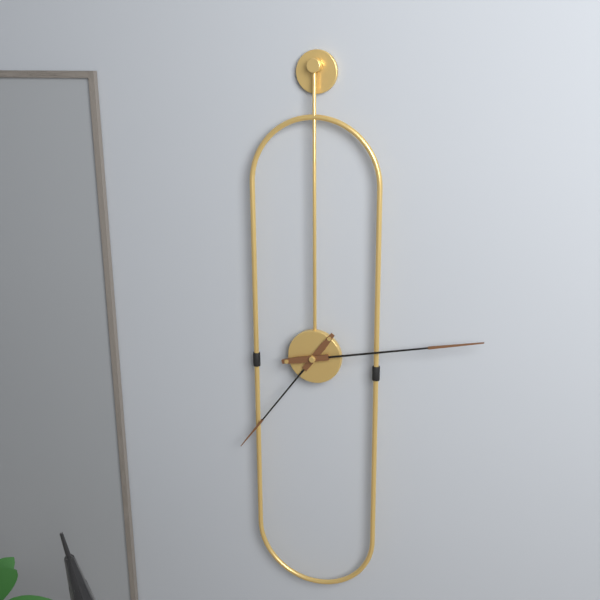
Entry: h=7 m=13
